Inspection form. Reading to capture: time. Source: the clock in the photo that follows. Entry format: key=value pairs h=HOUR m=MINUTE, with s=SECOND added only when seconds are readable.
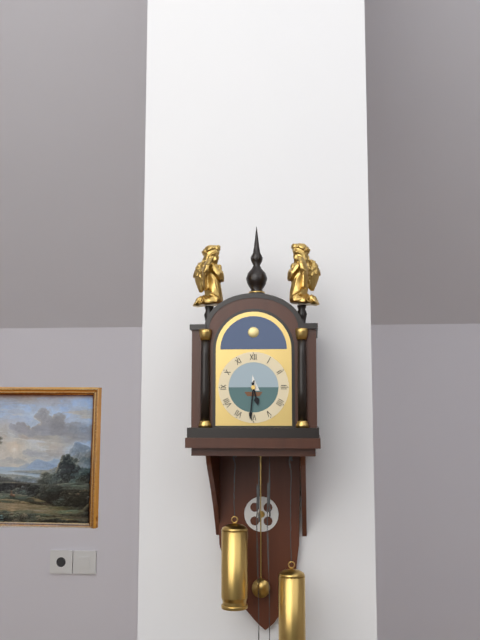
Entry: h=5 m=31
